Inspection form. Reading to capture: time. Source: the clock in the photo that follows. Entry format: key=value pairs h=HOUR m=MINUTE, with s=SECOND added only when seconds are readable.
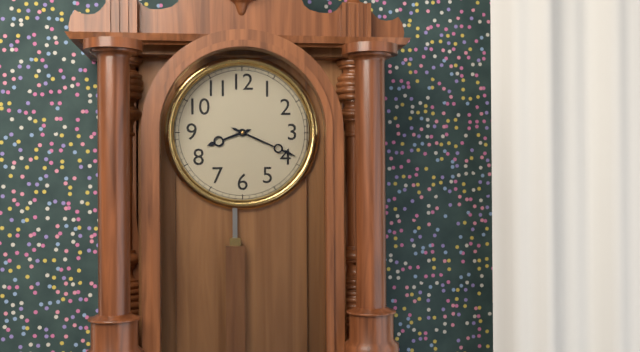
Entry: h=8 m=19
